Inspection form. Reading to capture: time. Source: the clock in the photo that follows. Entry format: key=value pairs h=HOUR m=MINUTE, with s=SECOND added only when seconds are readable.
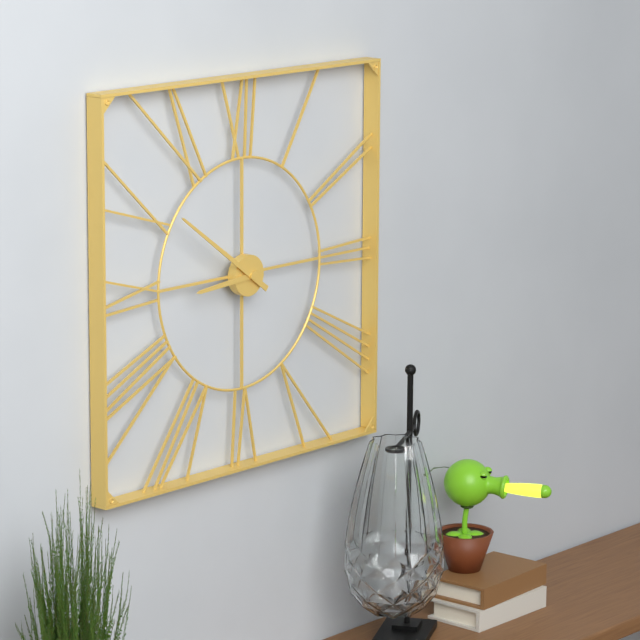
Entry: h=8 m=51
